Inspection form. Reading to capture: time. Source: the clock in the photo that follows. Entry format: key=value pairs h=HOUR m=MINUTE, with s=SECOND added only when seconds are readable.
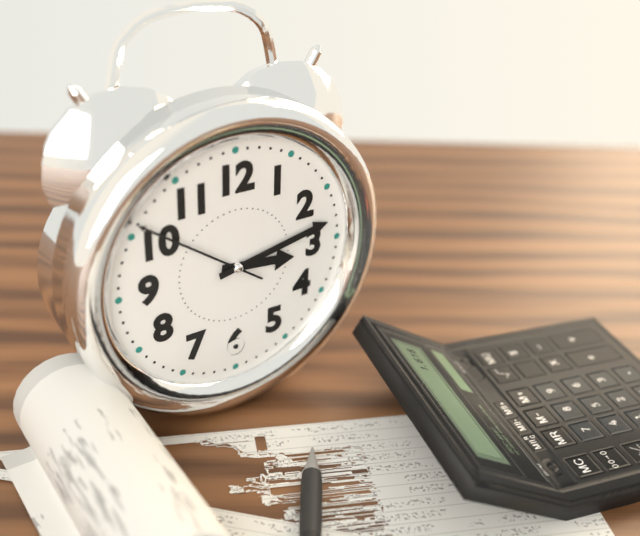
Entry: h=3 m=13 s=51
